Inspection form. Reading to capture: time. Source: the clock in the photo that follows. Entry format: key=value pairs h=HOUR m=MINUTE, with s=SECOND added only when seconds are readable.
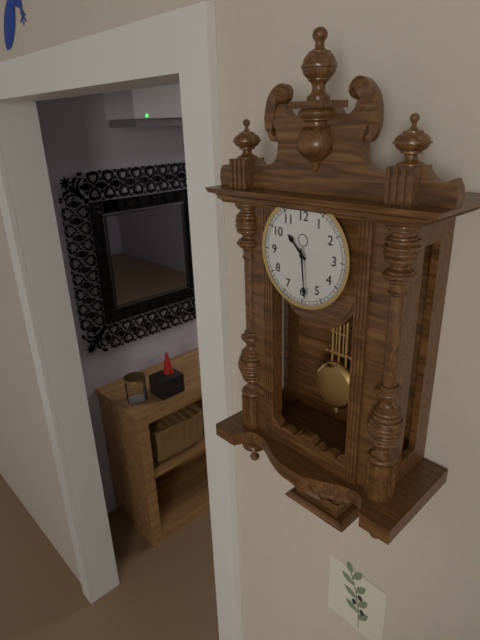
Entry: h=10 m=29
